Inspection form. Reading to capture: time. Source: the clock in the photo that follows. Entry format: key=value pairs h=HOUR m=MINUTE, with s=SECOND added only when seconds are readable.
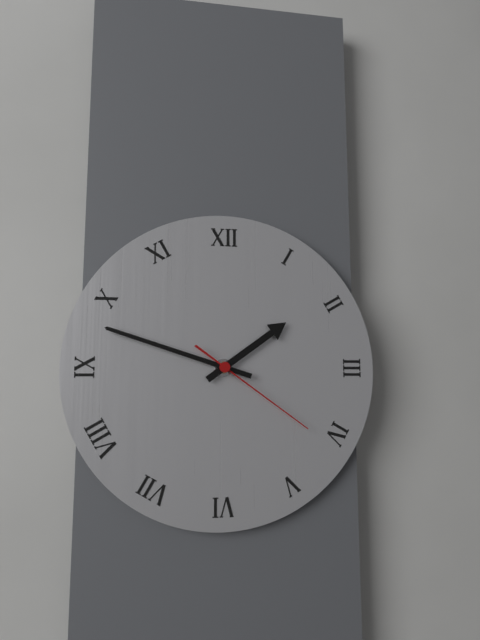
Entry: h=1 m=48 s=21
